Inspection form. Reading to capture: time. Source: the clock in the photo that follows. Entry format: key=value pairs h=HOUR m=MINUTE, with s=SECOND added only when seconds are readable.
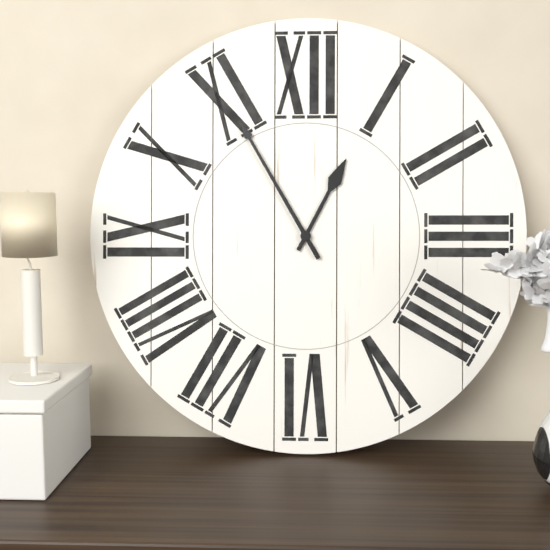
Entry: h=12 m=55
